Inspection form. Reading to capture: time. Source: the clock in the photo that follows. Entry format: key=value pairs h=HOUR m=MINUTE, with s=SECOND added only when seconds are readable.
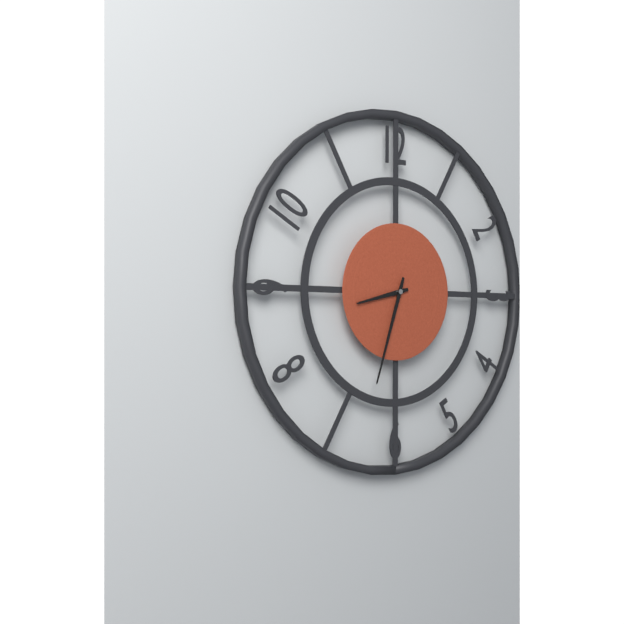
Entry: h=8 m=33
